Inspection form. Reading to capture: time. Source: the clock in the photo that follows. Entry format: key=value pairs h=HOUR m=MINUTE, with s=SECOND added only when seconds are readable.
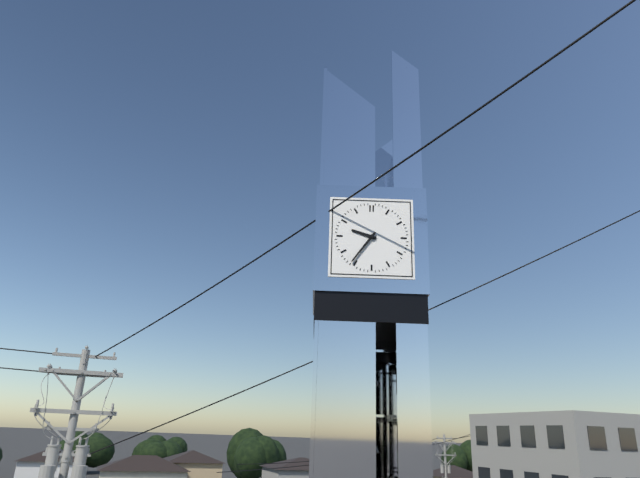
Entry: h=9 m=36
